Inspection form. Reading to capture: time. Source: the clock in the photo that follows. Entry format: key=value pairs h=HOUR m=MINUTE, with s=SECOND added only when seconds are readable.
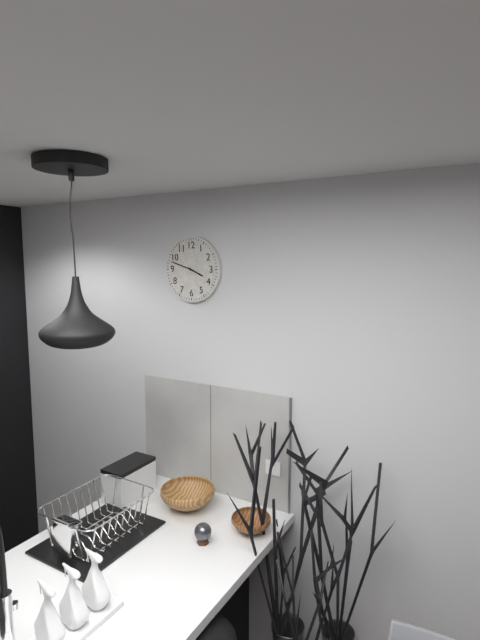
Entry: h=3 m=48
